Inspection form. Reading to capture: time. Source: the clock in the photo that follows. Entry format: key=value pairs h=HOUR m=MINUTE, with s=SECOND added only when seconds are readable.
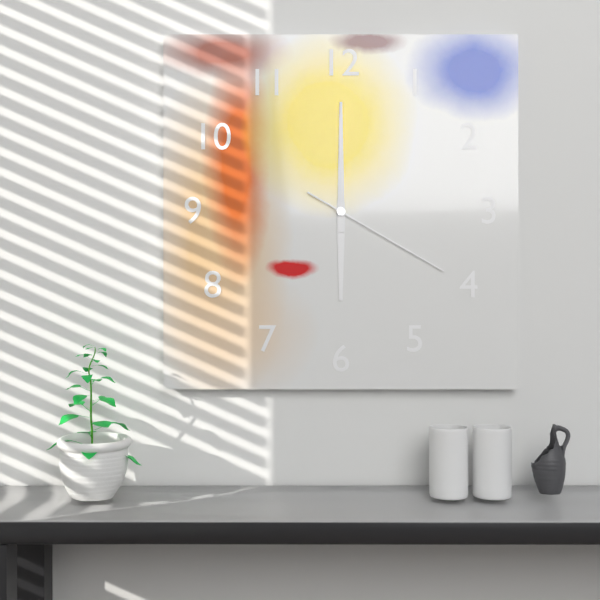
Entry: h=6 m=0 s=20
